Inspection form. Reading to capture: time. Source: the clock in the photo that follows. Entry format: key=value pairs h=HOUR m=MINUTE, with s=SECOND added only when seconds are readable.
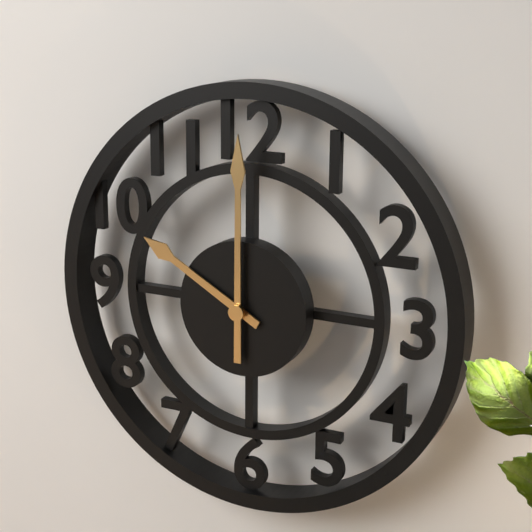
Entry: h=10 m=0
